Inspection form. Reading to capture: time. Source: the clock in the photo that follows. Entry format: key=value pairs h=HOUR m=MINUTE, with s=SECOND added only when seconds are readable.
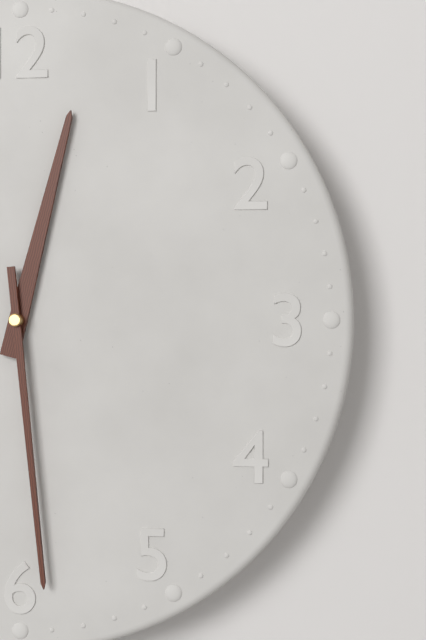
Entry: h=12 m=29
